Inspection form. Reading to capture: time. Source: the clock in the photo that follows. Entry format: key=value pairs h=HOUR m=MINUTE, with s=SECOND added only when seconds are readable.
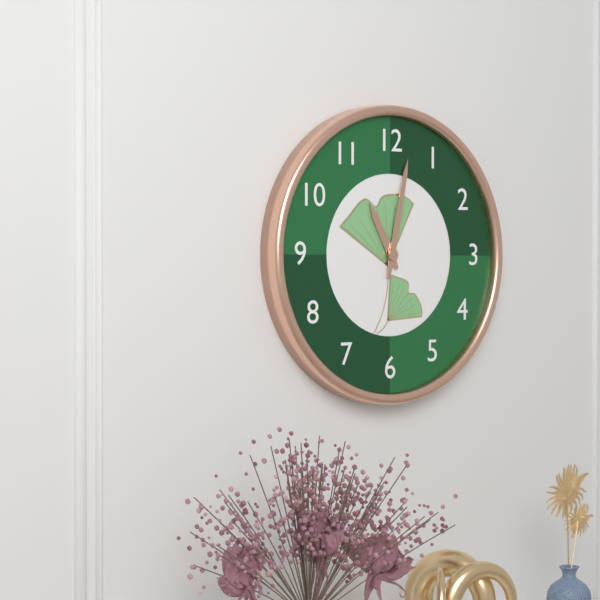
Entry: h=11 m=2
